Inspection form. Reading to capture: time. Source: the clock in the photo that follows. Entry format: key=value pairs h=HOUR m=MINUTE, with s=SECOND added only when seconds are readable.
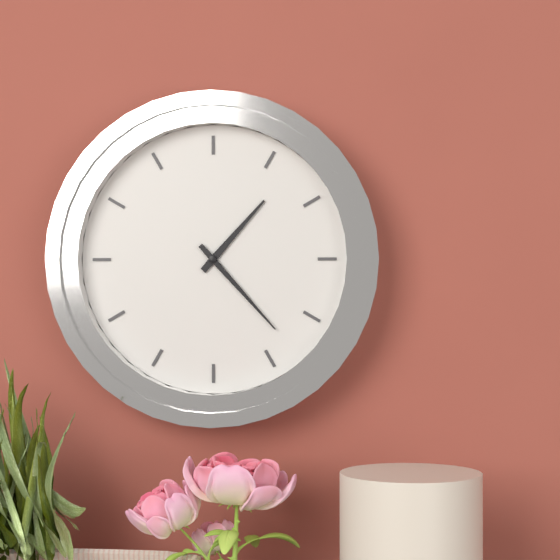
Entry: h=1 m=23
